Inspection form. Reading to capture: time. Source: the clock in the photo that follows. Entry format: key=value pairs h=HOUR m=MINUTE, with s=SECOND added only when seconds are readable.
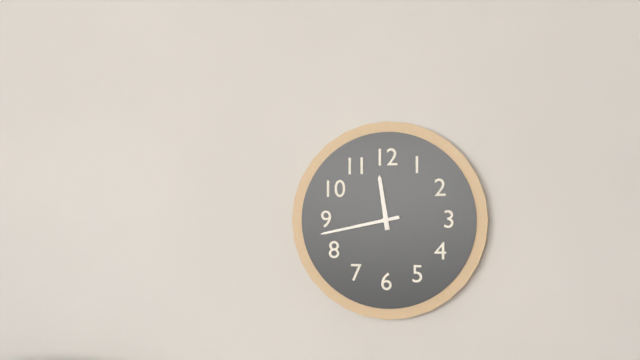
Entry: h=11 m=43
